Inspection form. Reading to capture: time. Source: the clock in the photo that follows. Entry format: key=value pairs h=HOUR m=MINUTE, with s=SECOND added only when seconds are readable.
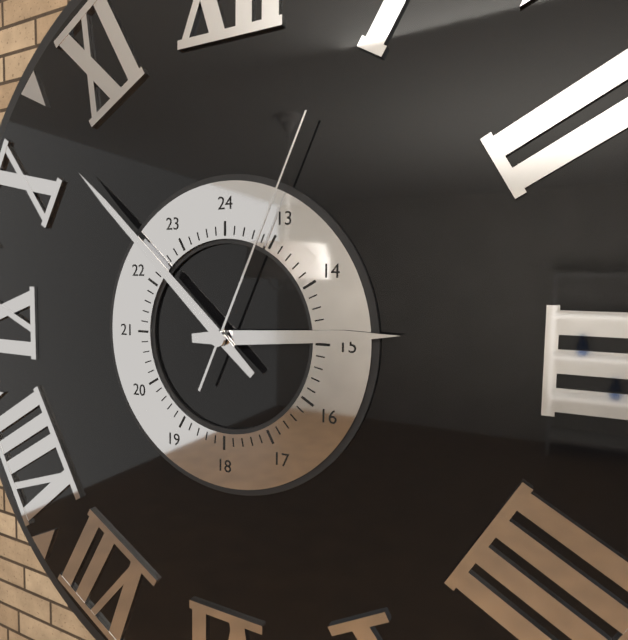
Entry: h=2 m=52 s=4
